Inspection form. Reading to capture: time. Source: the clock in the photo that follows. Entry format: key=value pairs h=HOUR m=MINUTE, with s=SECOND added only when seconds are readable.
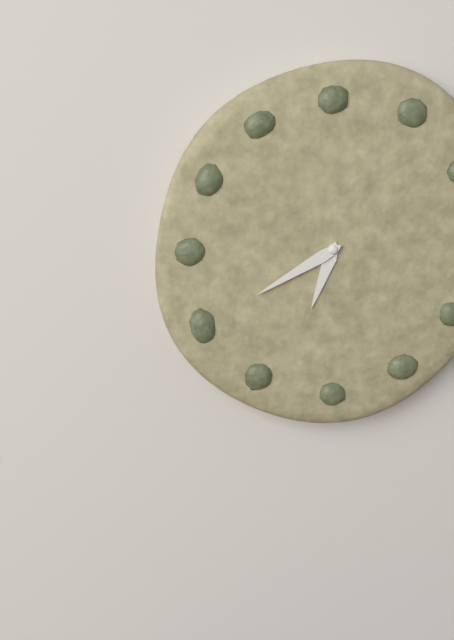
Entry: h=6 m=40
